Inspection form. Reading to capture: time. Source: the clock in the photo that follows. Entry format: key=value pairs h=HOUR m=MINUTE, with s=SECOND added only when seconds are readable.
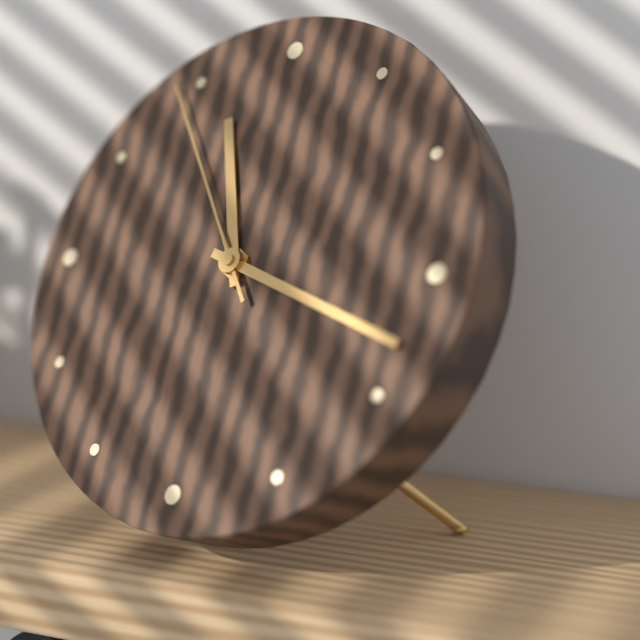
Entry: h=11 m=18 s=54
